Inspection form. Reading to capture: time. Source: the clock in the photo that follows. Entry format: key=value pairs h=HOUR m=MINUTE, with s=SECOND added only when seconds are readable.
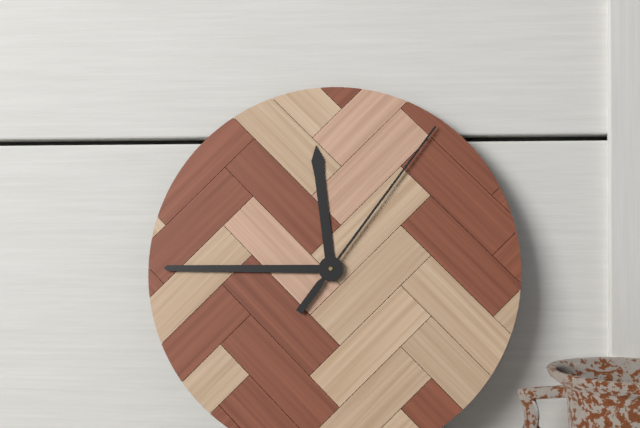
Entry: h=11 m=45 s=6
